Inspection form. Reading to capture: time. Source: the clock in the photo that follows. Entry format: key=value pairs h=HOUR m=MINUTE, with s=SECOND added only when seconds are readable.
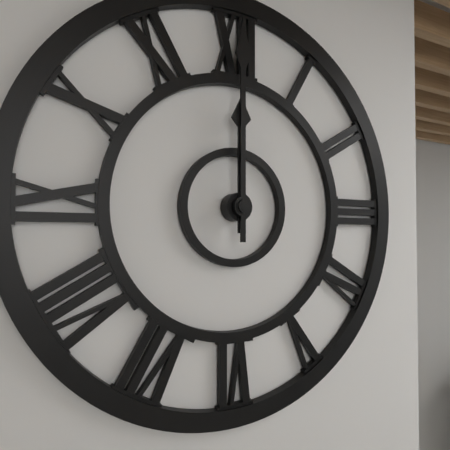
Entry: h=12 m=0
